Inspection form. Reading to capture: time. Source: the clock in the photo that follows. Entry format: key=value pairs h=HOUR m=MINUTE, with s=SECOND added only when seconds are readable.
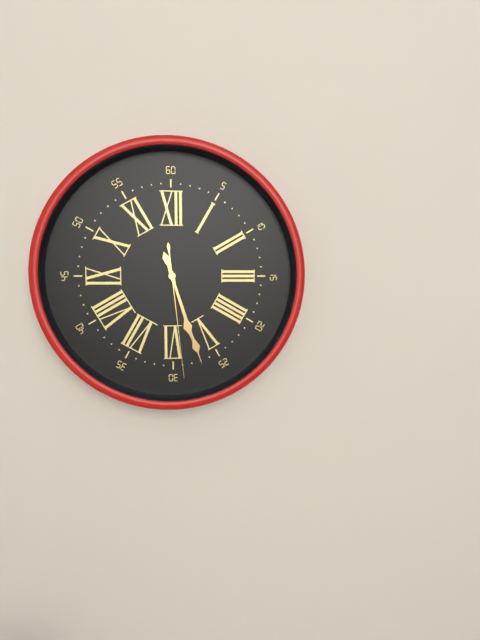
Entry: h=5 m=27 s=29
